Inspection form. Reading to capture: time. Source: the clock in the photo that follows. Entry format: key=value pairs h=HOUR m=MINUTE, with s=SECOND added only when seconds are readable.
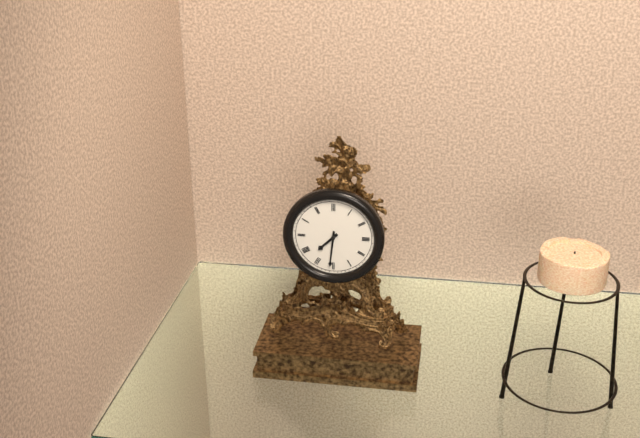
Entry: h=7 m=31
